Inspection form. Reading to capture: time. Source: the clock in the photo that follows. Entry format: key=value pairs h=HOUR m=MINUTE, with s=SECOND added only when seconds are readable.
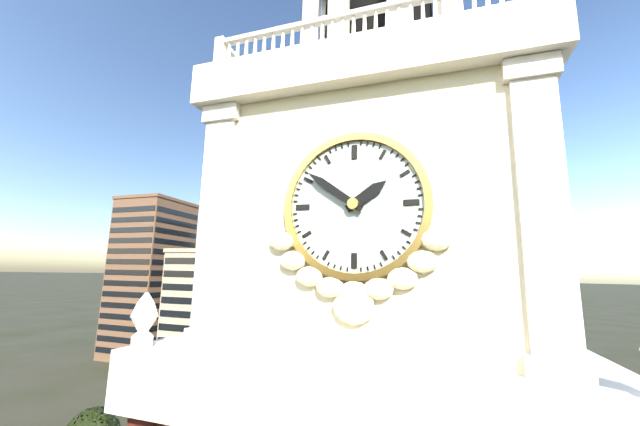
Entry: h=1 m=51
